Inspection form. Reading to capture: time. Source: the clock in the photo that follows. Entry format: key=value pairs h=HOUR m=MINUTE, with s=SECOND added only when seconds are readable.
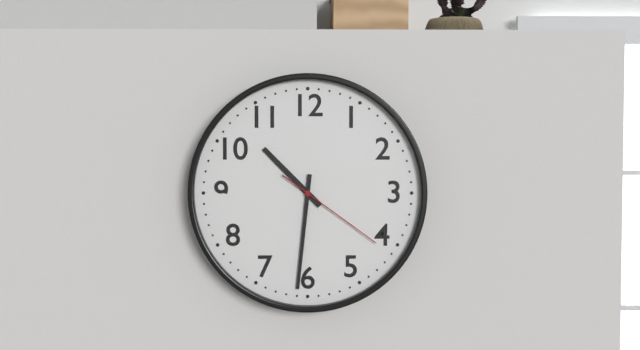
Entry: h=10 m=31 s=21
